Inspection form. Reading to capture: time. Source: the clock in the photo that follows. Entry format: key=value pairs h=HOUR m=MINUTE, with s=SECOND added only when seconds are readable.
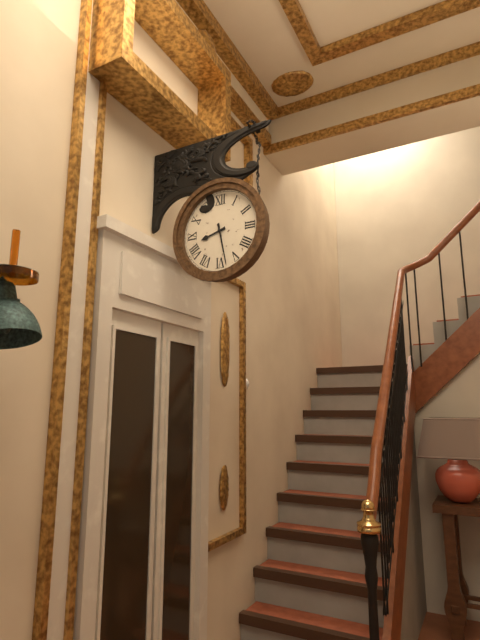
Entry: h=8 m=28
